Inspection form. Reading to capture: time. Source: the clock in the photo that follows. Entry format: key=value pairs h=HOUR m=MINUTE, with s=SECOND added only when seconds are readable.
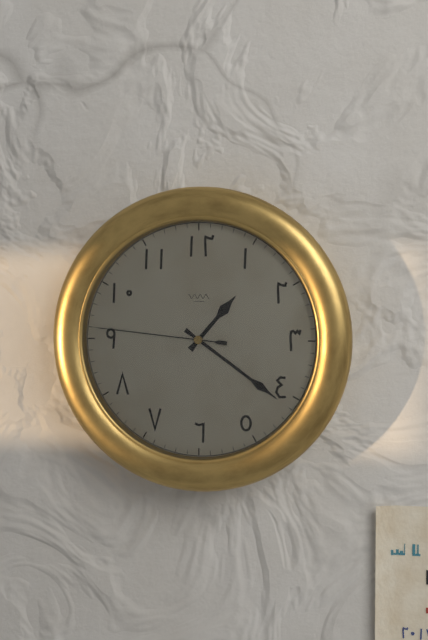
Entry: h=1 m=21 s=46
